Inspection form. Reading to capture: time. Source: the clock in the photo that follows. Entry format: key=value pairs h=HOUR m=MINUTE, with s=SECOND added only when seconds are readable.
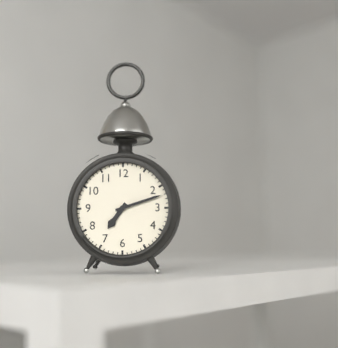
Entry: h=7 m=12
